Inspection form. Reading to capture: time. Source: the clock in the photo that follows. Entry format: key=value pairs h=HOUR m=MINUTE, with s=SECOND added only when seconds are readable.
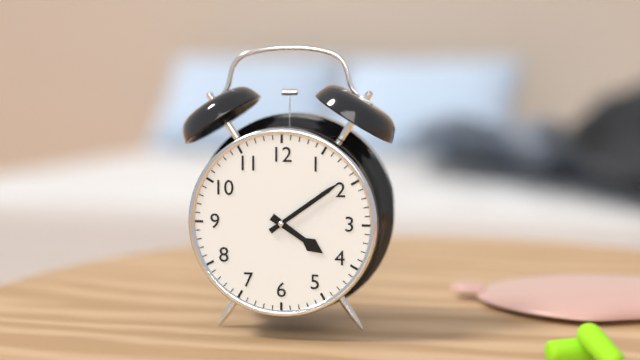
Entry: h=4 m=9
